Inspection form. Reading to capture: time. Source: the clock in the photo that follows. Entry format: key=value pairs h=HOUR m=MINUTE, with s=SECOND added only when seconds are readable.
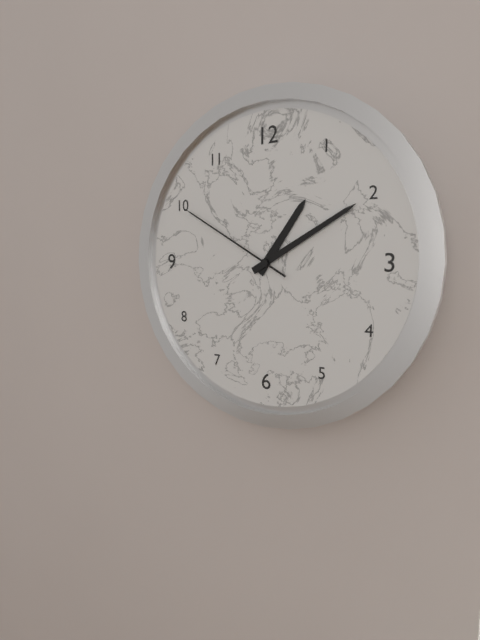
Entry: h=1 m=10 s=50
